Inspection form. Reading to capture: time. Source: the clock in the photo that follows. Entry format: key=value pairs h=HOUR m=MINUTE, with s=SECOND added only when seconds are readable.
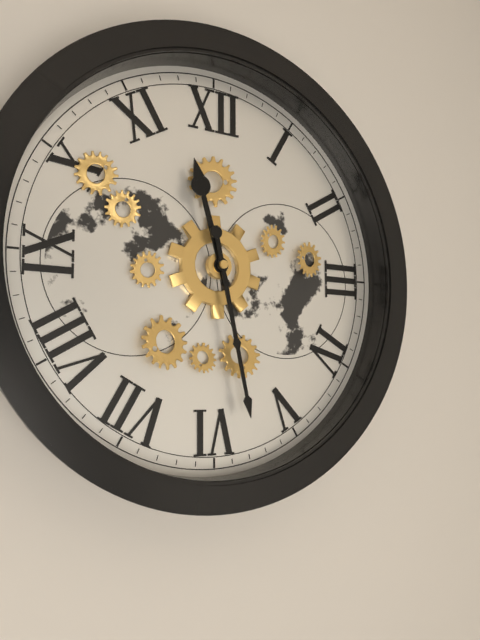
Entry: h=11 m=28
